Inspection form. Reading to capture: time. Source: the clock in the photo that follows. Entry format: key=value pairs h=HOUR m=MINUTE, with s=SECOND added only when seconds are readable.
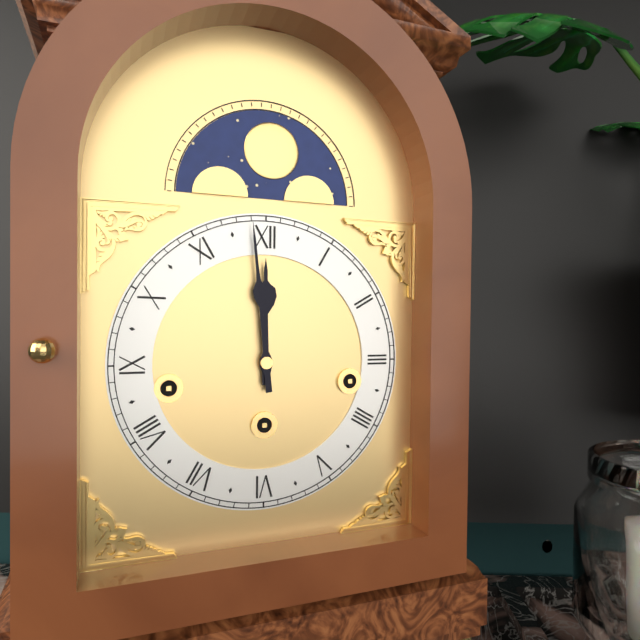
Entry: h=11 m=59
